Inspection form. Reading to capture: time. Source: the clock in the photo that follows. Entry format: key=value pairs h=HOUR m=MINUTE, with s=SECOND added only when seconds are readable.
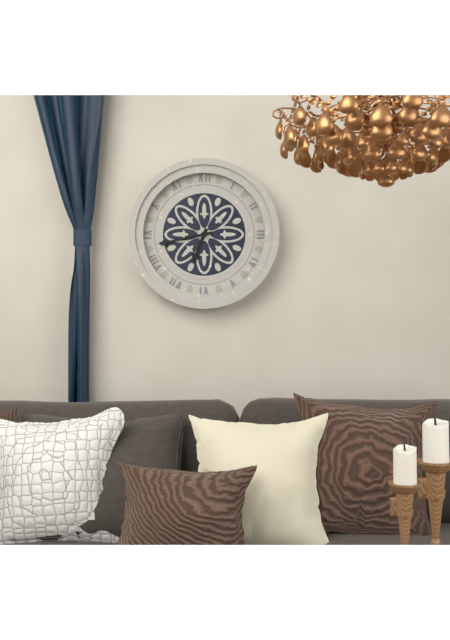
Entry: h=6 m=43
